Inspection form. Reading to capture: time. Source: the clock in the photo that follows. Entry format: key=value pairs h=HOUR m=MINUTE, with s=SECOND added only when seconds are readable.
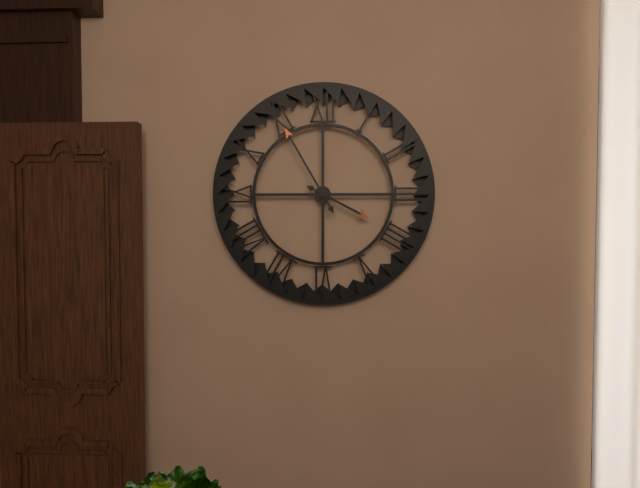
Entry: h=3 m=55
